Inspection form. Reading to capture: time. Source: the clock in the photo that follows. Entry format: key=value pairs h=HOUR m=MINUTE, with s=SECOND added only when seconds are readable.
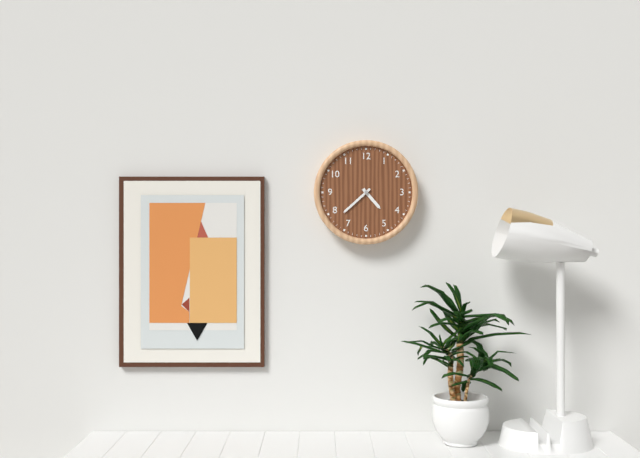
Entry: h=4 m=38
